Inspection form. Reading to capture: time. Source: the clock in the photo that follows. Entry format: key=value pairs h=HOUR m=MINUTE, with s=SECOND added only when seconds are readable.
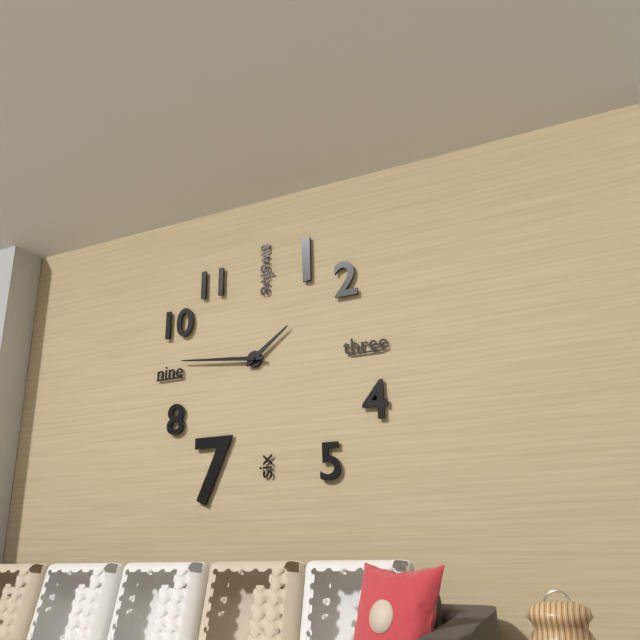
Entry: h=1 m=46
